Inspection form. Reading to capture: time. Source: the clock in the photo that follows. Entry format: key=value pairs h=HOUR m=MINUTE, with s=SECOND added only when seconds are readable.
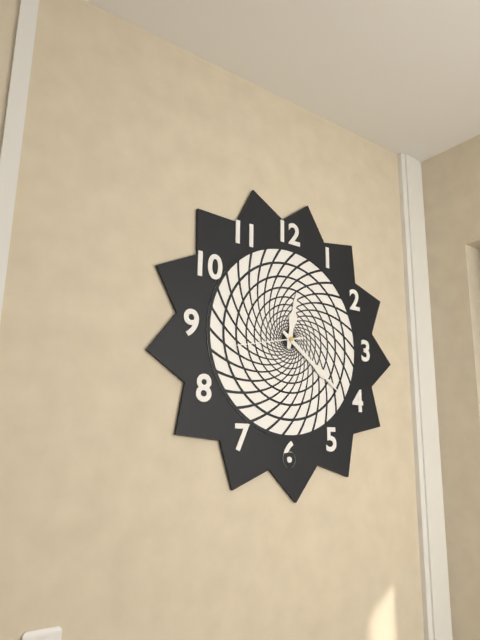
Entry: h=12 m=21 s=43
